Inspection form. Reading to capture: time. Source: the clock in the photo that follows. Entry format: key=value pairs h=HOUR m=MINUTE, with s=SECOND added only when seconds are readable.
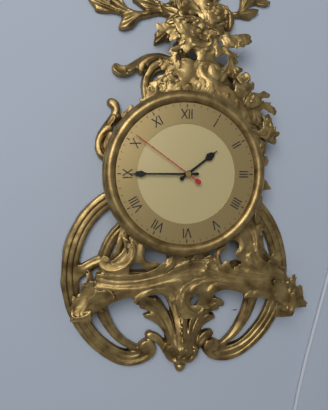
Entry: h=1 m=45 s=51
